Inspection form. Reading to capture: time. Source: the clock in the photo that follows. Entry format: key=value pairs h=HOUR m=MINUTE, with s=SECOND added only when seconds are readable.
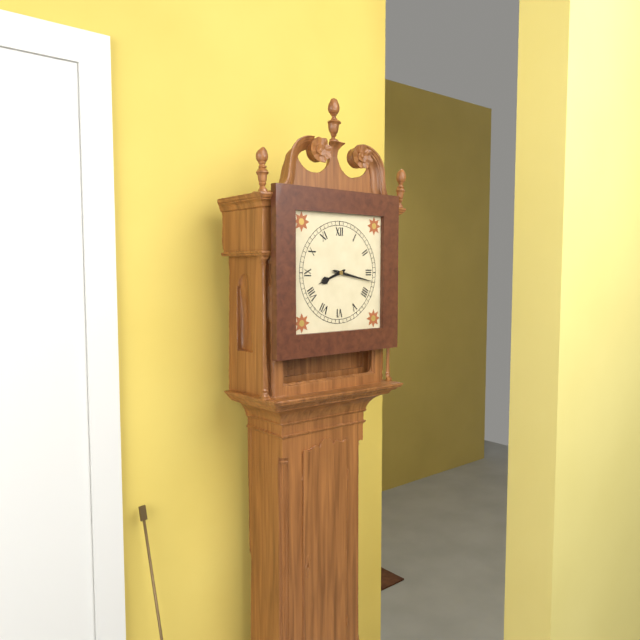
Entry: h=8 m=17
